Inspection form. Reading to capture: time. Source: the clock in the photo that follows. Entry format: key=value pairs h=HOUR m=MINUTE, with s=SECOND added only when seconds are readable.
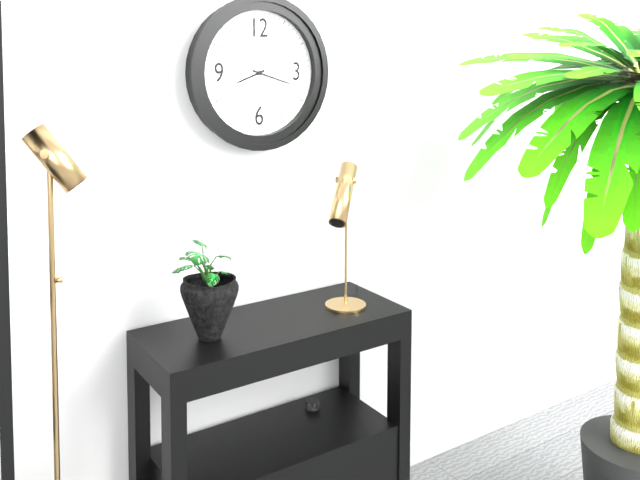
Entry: h=8 m=18
